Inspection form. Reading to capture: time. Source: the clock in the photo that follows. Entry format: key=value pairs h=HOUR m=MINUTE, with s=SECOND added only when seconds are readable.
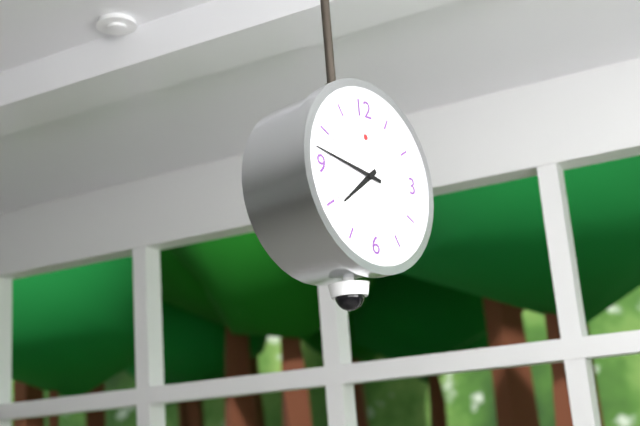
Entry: h=7 m=47
